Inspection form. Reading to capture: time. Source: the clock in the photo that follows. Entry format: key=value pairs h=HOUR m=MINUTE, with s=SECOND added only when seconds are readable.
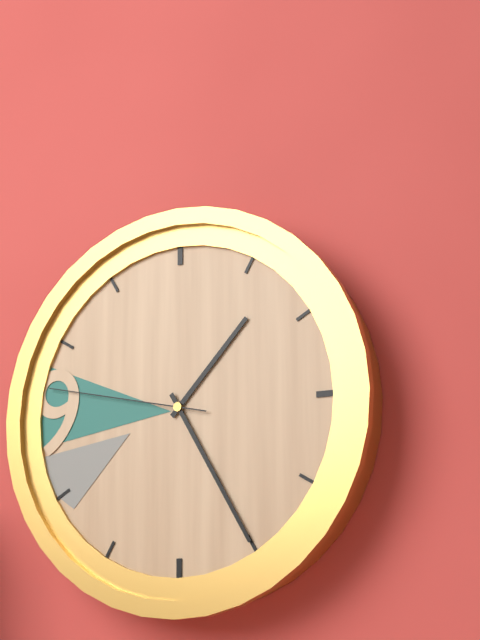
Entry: h=1 m=25 s=47
